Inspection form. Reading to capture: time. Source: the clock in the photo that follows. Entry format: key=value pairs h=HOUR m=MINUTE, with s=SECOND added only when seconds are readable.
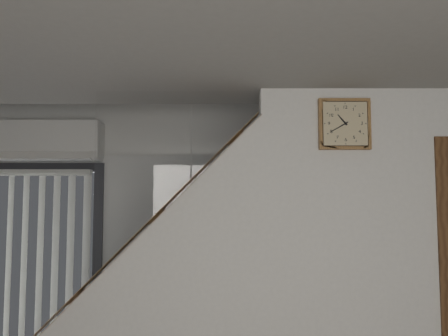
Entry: h=10 m=40
